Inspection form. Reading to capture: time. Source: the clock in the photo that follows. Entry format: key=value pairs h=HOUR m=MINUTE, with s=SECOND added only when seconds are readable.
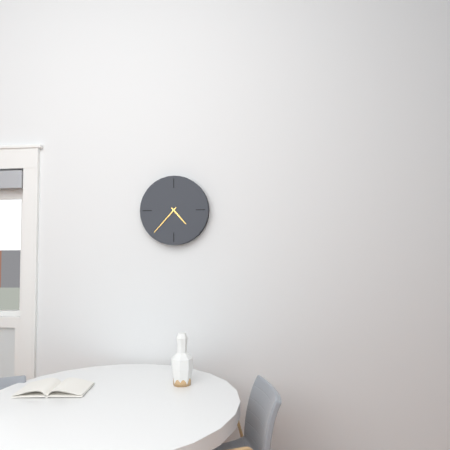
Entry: h=4 m=37
